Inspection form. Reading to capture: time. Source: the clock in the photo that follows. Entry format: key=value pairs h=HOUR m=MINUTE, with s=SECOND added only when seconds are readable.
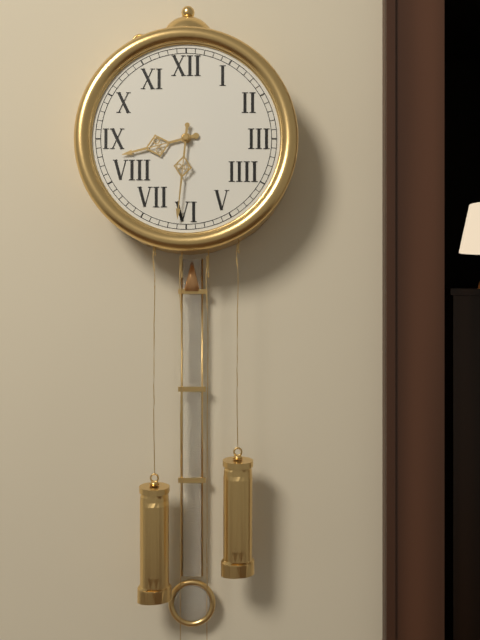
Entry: h=8 m=31
